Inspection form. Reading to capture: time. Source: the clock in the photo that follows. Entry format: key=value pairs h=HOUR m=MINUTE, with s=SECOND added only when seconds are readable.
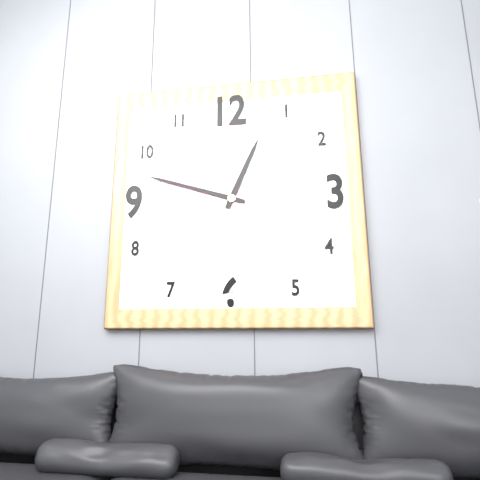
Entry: h=12 m=48
